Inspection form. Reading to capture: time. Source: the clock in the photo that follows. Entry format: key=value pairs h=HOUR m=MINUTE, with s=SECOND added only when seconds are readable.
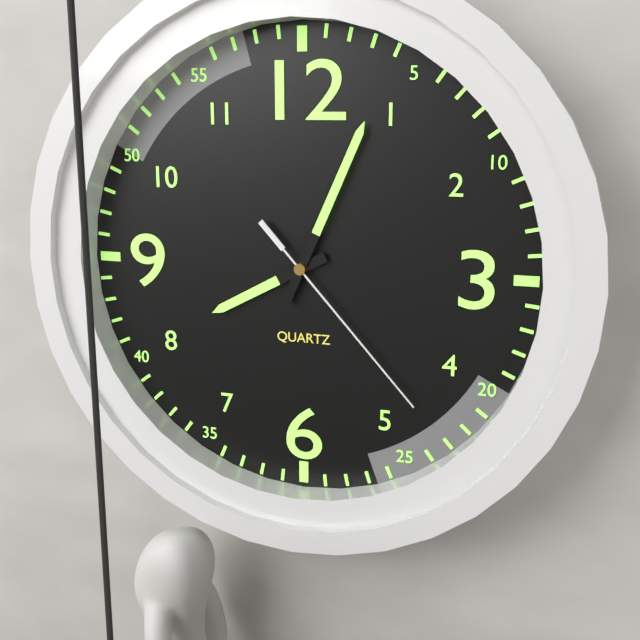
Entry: h=8 m=4 s=23
